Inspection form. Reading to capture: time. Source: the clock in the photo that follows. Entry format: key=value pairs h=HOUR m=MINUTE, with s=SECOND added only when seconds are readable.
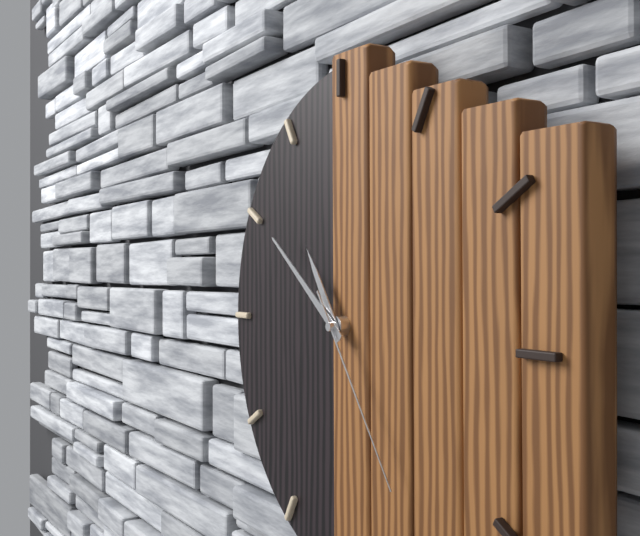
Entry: h=10 m=51 s=24
